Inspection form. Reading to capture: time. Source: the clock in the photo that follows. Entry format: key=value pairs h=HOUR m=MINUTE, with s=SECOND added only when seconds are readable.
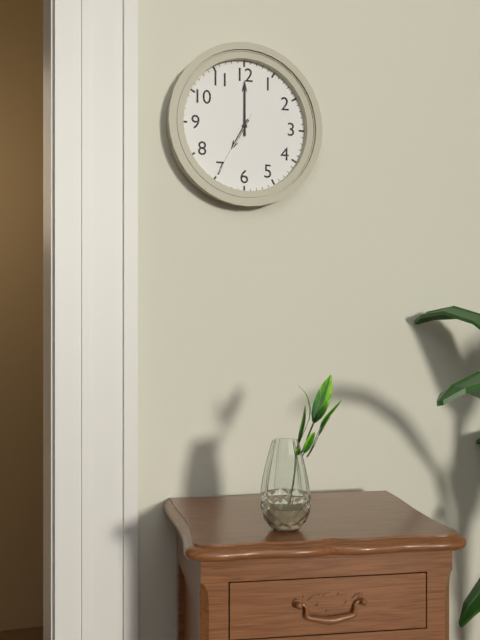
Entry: h=7 m=0 s=35
